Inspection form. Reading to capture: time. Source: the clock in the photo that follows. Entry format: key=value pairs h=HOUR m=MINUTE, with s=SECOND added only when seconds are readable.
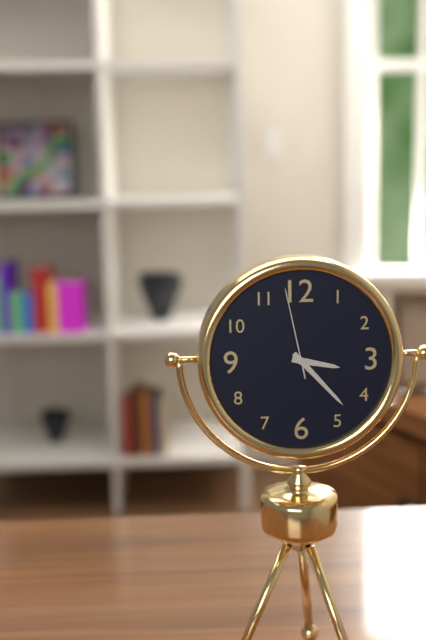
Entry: h=3 m=23 s=58
